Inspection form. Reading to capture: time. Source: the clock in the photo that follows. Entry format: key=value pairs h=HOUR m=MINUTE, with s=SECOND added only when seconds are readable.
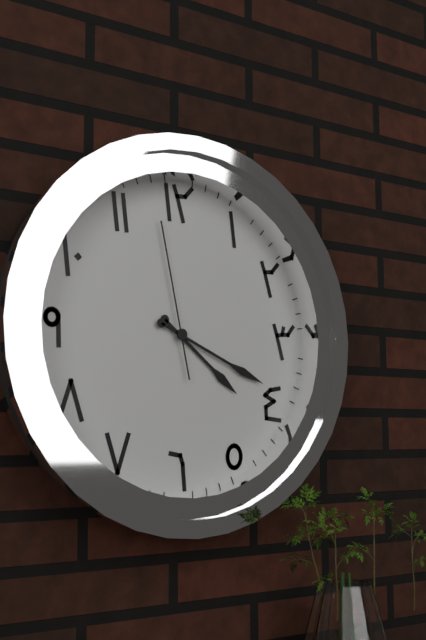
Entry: h=4 m=19 s=58
